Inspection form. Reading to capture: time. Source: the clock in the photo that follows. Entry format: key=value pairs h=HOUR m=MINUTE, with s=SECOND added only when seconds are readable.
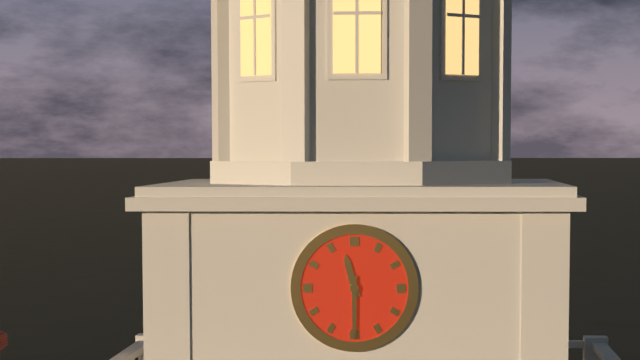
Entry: h=11 m=30
